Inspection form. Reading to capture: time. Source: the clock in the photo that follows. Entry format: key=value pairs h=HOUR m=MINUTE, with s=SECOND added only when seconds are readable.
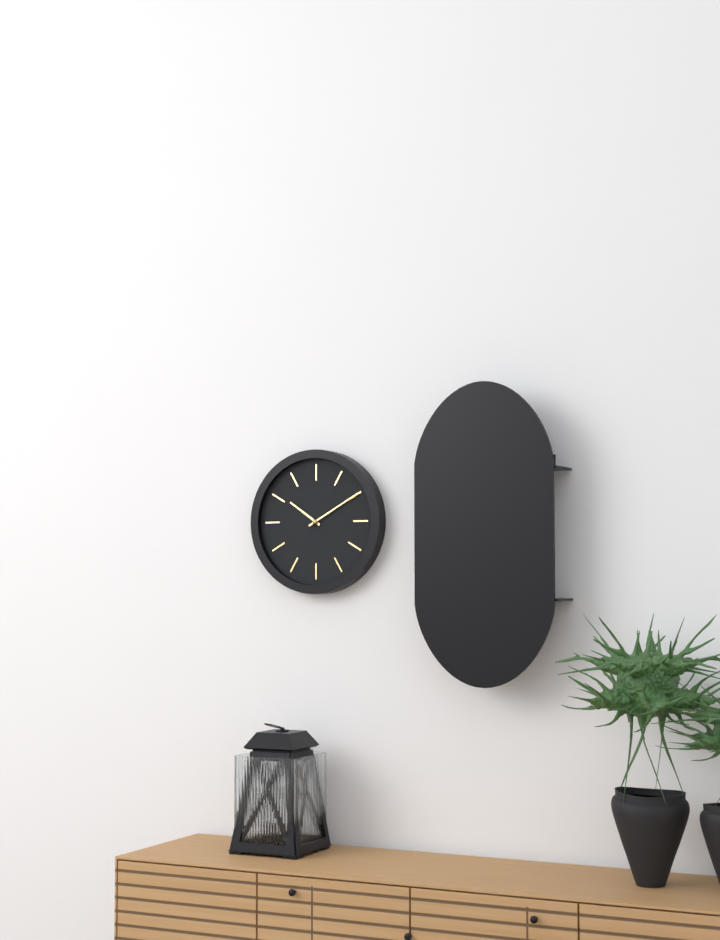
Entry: h=10 m=10
